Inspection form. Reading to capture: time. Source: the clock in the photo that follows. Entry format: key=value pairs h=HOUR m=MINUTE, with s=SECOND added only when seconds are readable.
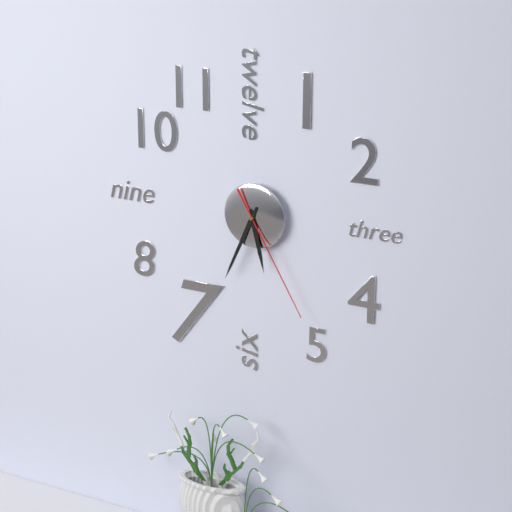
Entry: h=5 m=34 s=25
